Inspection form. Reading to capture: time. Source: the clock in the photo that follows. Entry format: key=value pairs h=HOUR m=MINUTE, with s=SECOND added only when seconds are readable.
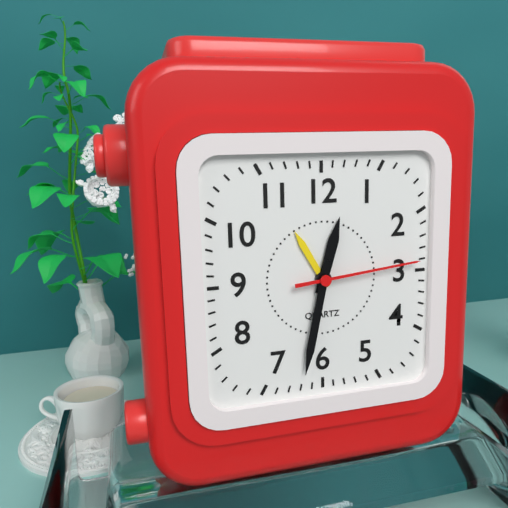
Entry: h=12 m=32 s=14
